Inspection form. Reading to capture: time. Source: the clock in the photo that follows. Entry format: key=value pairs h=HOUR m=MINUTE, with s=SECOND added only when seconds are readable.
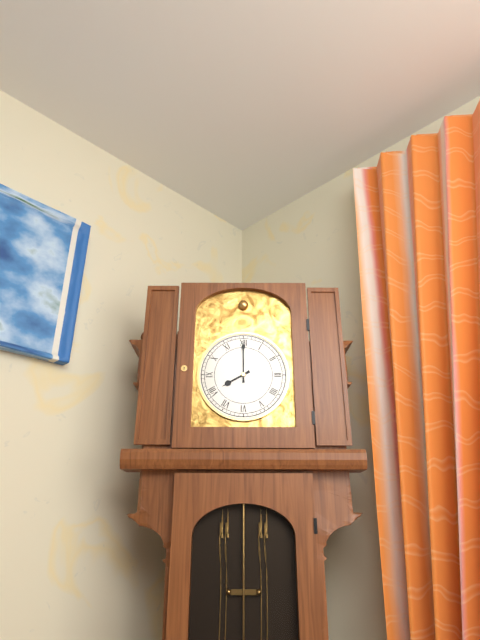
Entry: h=8 m=0
